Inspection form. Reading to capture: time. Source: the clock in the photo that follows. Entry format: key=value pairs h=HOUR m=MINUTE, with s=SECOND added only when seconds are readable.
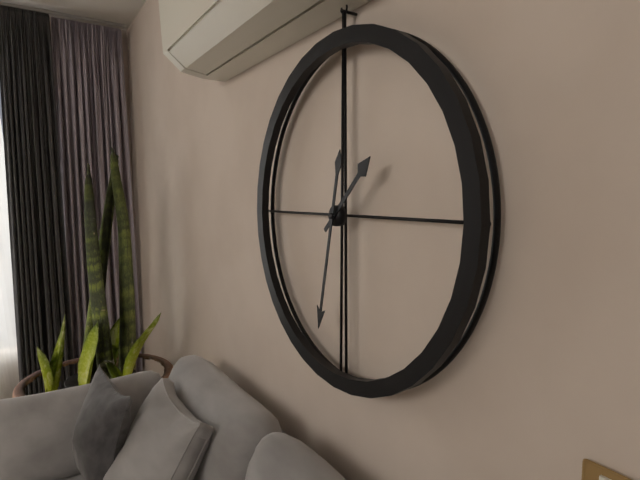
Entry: h=1 m=32
